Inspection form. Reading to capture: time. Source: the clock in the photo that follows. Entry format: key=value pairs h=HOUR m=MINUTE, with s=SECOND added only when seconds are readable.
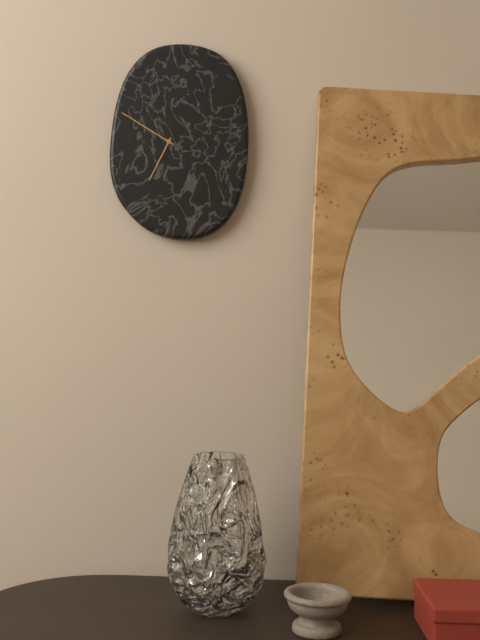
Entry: h=6 m=50
